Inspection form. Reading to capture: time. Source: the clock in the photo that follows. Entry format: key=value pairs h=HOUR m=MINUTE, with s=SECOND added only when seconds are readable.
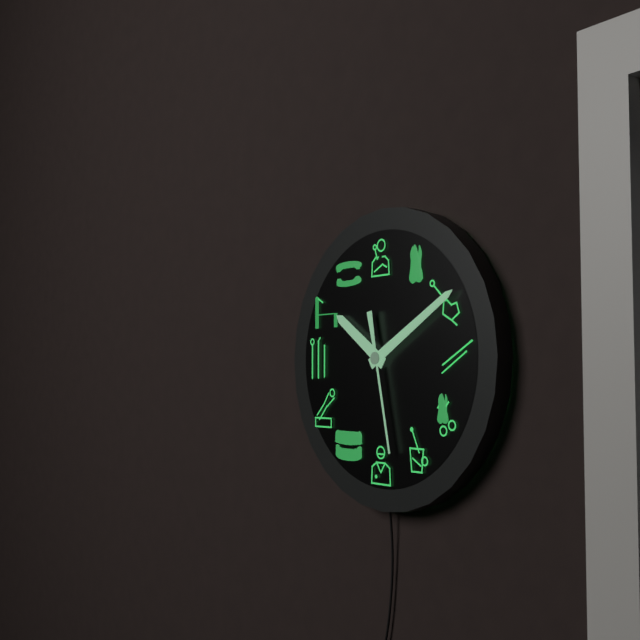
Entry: h=10 m=10 s=28
